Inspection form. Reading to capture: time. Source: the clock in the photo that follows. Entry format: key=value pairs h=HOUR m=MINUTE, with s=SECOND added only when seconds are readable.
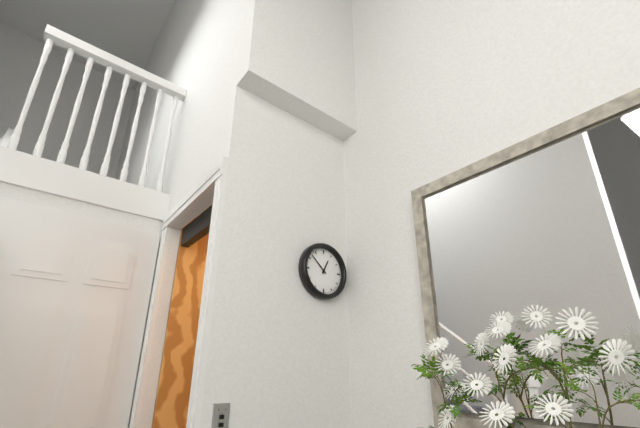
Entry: h=12 m=52
